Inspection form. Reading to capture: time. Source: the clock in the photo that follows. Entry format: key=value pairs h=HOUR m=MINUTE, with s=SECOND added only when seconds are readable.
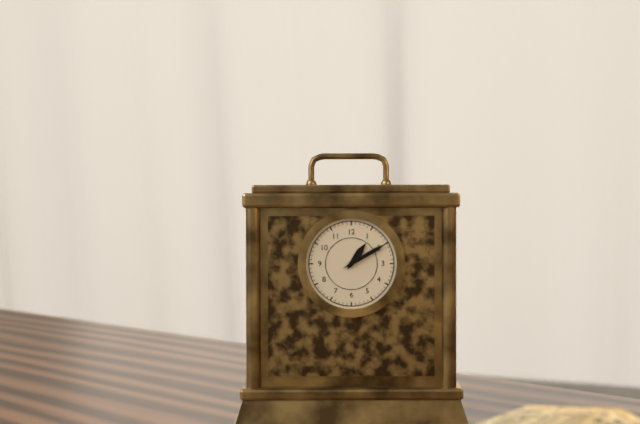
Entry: h=1 m=10
